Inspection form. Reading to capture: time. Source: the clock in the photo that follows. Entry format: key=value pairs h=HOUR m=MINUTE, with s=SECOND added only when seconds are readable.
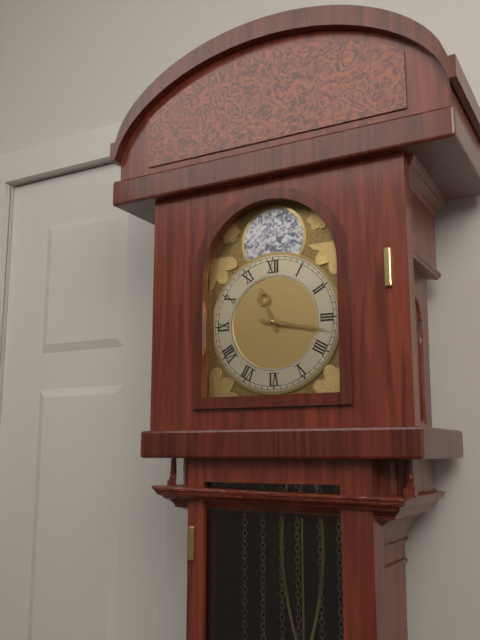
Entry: h=11 m=17
